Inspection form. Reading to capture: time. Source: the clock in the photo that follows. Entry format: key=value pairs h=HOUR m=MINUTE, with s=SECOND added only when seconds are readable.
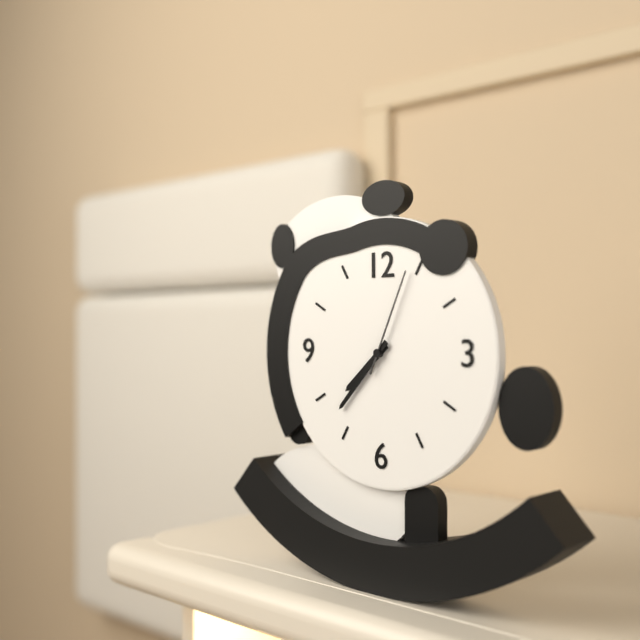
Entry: h=7 m=37 s=4
